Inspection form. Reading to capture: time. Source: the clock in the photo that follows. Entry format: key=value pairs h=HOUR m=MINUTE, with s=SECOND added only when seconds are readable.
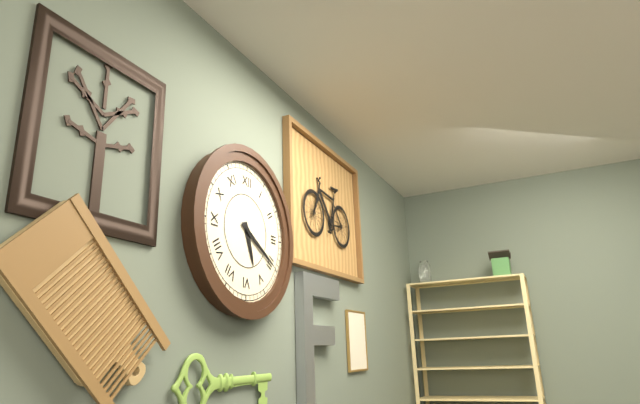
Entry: h=5 m=20
